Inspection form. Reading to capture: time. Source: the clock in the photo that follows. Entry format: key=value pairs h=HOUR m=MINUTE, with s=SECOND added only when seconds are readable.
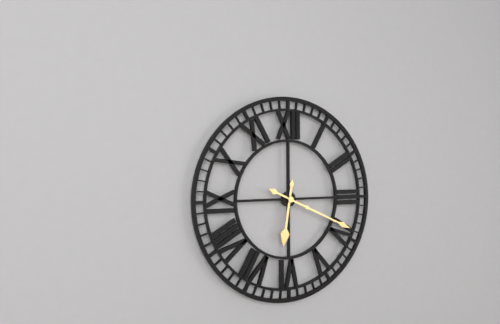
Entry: h=6 m=19
